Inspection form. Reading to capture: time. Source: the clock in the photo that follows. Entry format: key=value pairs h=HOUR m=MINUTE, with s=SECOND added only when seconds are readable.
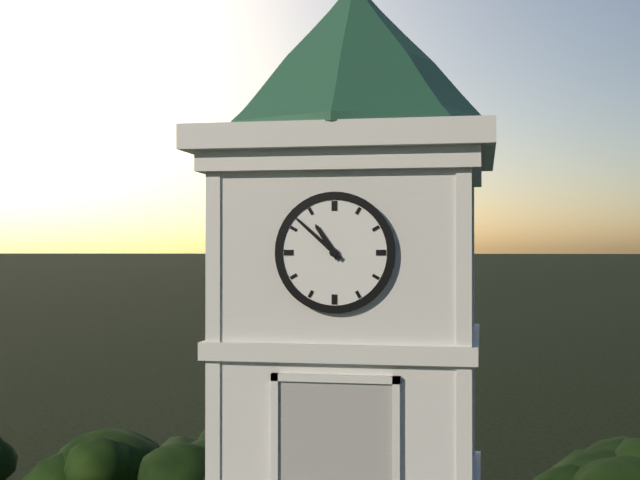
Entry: h=10 m=52
